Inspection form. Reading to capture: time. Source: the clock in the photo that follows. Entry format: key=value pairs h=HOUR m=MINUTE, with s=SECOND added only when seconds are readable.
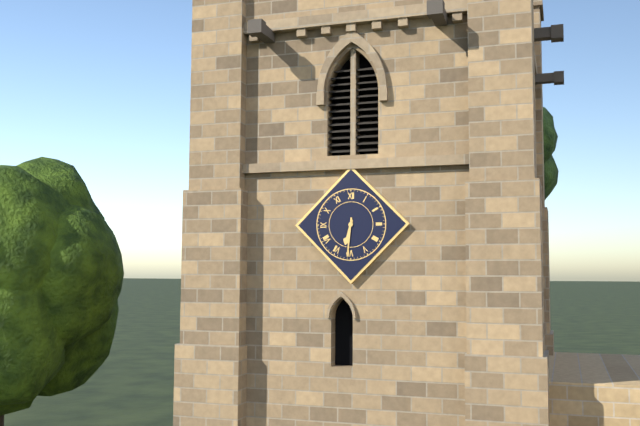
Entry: h=6 m=31
